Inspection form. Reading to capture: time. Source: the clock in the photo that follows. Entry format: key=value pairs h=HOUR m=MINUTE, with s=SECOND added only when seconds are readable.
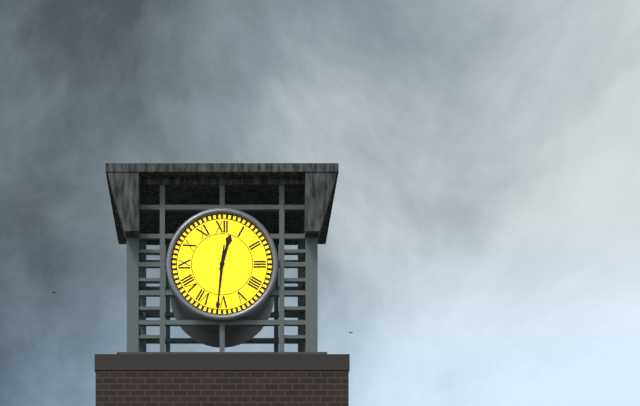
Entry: h=12 m=31
